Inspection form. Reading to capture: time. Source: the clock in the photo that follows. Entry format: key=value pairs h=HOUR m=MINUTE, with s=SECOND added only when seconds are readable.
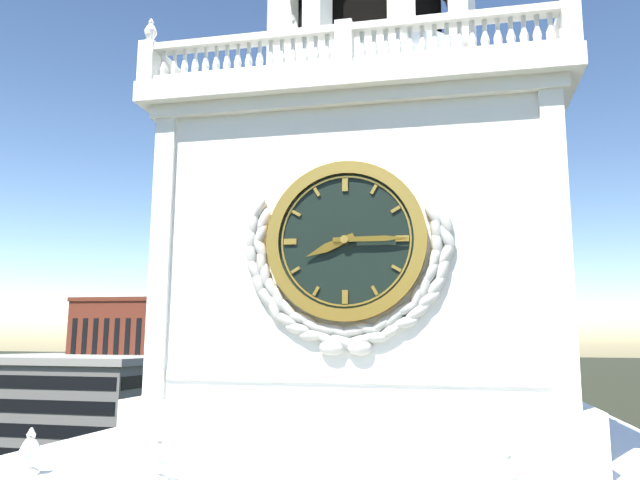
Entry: h=8 m=15
